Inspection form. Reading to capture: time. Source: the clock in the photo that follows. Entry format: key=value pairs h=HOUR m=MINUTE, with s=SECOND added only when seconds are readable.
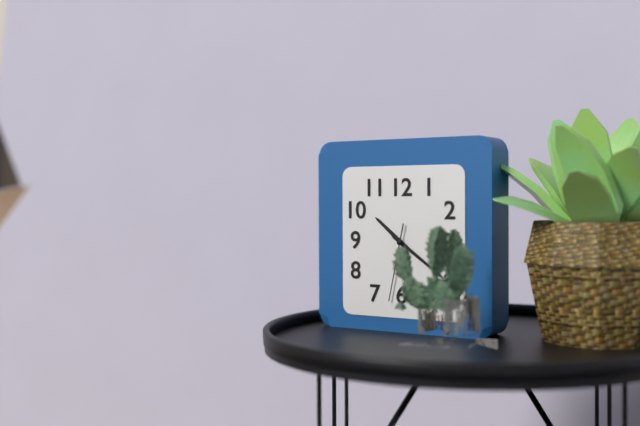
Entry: h=10 m=21 s=32
